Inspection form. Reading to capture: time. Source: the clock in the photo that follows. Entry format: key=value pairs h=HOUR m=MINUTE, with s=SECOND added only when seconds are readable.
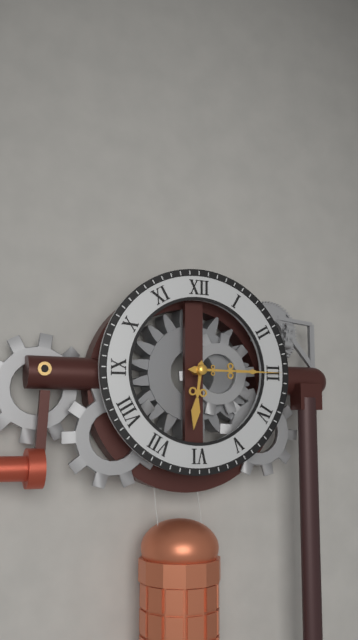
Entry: h=6 m=15
